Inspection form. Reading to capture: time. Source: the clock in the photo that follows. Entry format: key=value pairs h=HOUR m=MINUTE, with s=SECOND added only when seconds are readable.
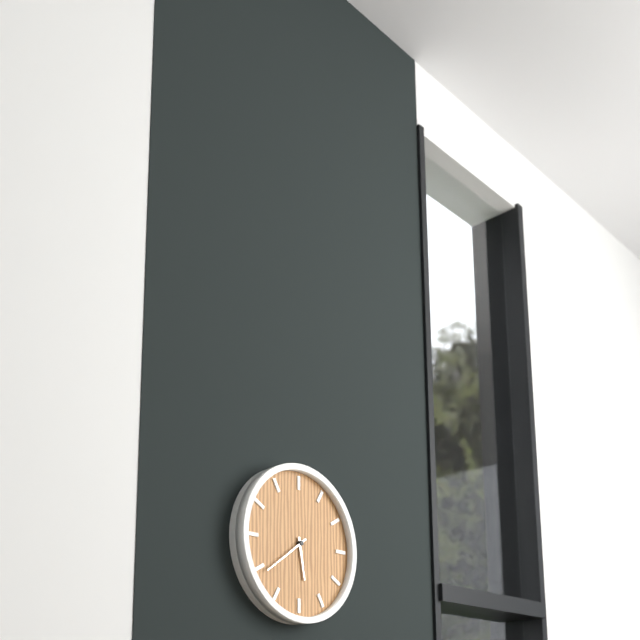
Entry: h=5 m=39
